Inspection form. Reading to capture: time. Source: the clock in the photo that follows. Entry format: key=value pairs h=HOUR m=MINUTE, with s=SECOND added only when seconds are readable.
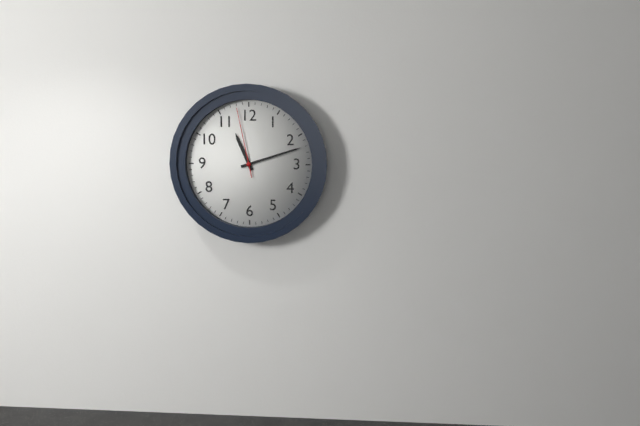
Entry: h=11 m=12 s=58
